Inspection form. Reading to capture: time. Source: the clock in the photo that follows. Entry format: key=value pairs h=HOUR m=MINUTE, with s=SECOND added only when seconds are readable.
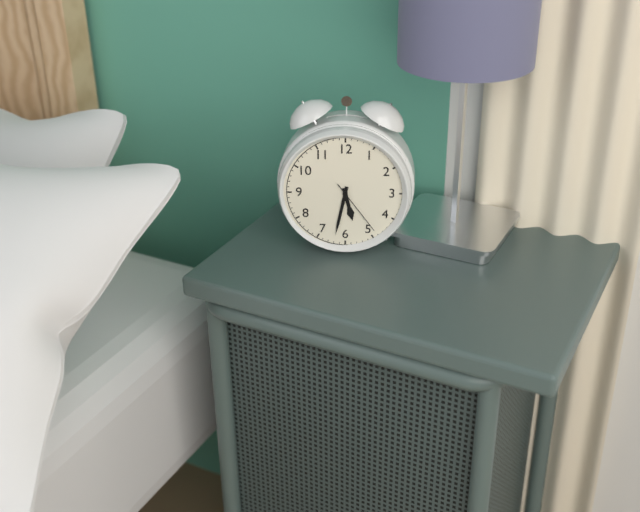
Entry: h=5 m=32 s=24
